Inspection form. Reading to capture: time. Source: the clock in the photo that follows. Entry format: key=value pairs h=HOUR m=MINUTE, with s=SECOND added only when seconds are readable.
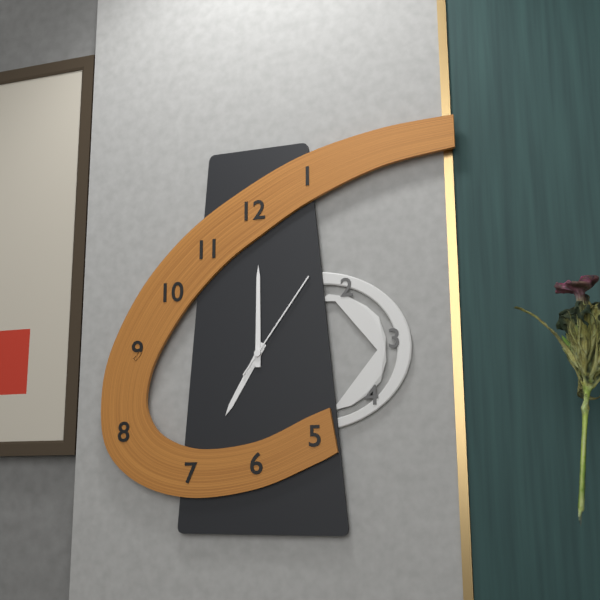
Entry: h=7 m=0 s=6
